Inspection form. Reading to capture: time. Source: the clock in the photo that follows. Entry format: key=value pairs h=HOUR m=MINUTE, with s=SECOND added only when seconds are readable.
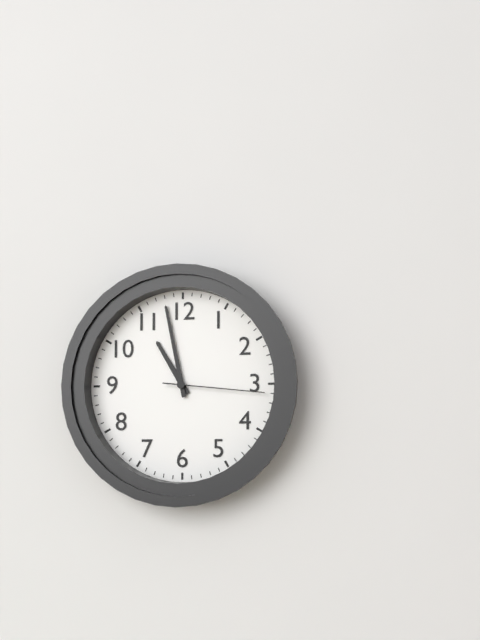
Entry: h=10 m=58 s=16
